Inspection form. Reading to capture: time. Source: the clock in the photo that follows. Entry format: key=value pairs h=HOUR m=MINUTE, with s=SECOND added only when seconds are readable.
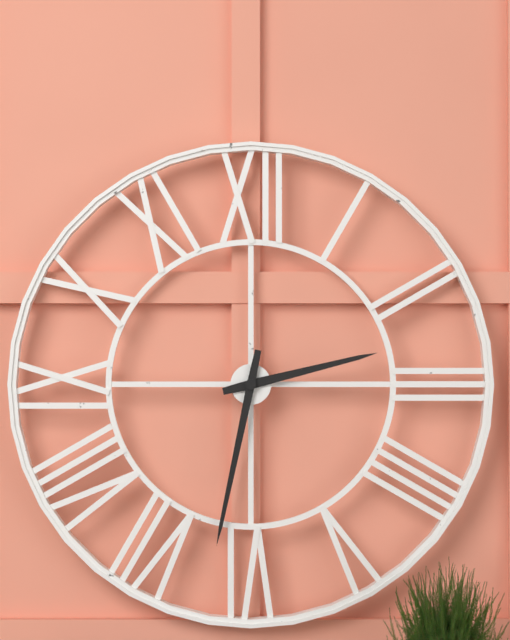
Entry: h=2 m=32
